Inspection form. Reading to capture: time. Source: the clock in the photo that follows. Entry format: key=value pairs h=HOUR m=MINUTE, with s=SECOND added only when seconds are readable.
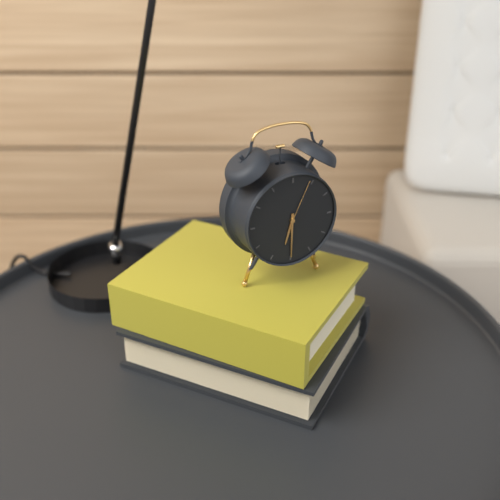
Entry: h=6 m=30 s=4
